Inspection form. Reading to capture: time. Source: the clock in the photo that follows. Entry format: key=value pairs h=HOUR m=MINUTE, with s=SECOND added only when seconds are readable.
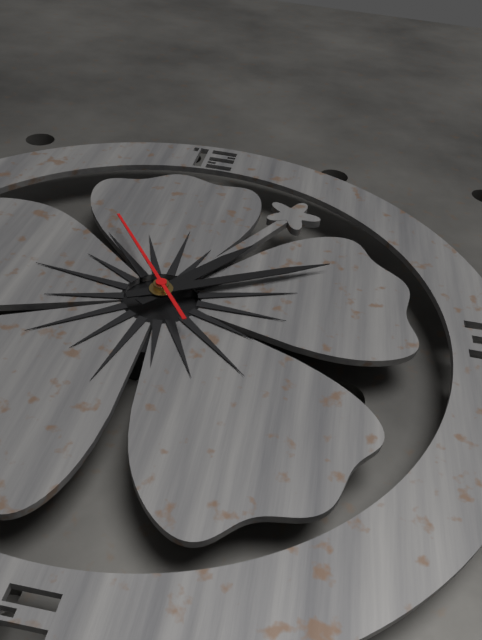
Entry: h=1 m=10 s=54
